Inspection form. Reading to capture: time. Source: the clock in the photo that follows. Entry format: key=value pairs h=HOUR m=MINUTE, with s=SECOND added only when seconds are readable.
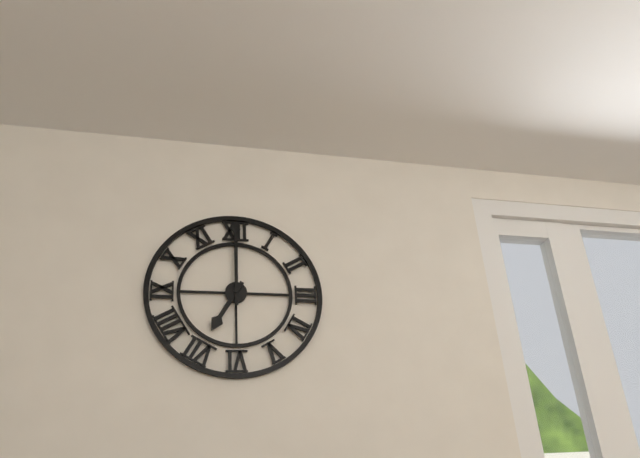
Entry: h=7 m=0
